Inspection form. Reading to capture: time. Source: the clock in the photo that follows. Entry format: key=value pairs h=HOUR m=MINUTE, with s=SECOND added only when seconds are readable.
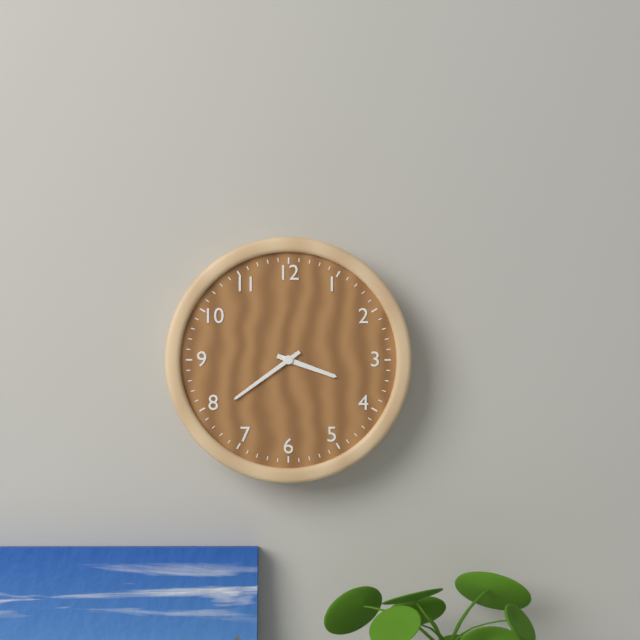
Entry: h=3 m=39
